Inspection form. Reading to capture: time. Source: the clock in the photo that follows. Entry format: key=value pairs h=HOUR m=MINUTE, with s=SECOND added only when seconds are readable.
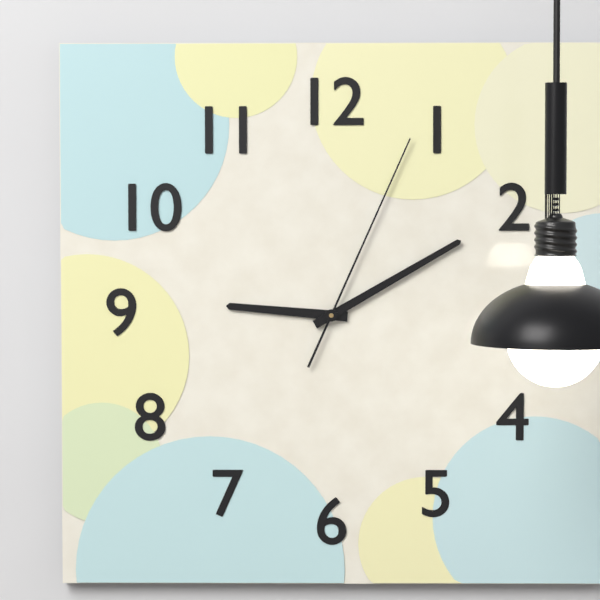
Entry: h=9 m=10 s=4
